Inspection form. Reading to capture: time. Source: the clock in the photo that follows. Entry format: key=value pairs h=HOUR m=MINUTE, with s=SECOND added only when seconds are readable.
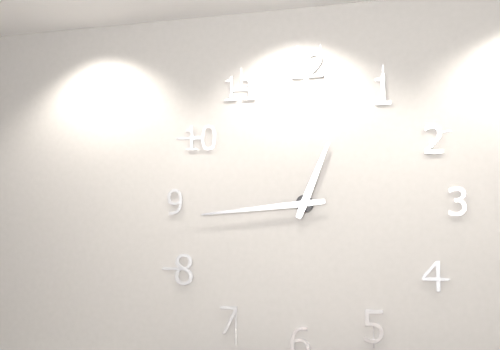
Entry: h=12 m=44
